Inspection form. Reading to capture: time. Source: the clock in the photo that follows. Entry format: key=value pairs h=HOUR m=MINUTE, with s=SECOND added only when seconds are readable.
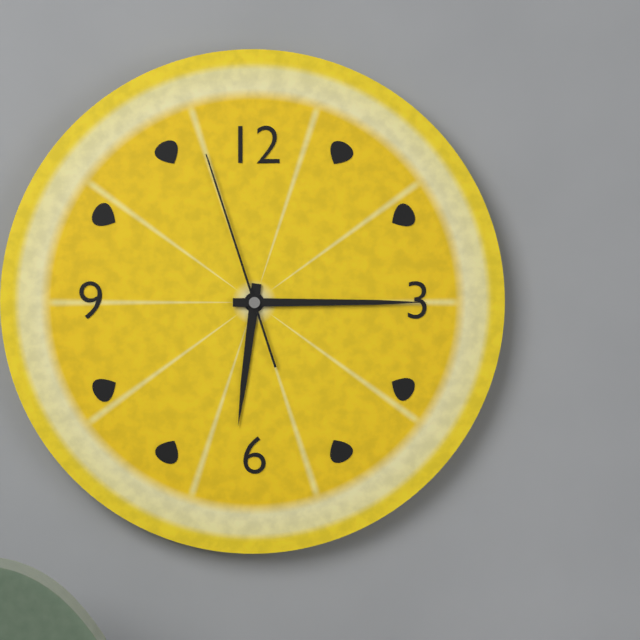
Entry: h=6 m=15 s=57
